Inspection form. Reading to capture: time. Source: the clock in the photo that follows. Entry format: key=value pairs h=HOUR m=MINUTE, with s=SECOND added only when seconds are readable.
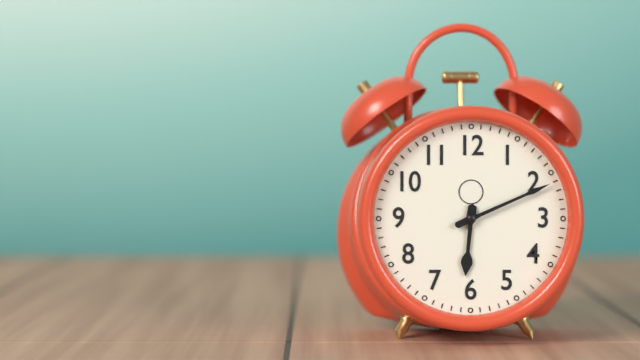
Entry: h=6 m=11
